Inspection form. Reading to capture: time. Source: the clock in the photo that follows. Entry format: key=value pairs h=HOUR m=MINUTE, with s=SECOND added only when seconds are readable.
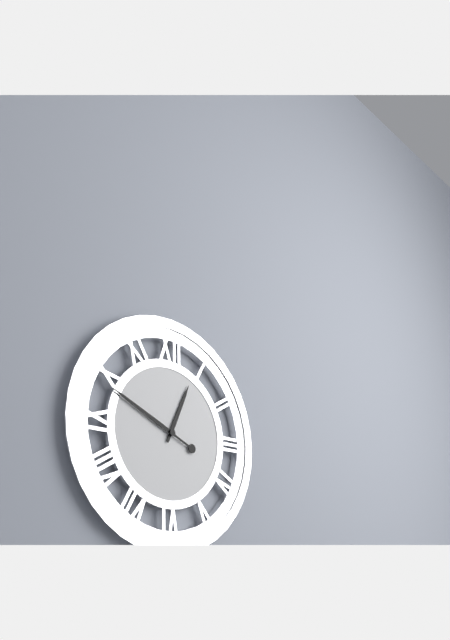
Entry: h=12 m=49
